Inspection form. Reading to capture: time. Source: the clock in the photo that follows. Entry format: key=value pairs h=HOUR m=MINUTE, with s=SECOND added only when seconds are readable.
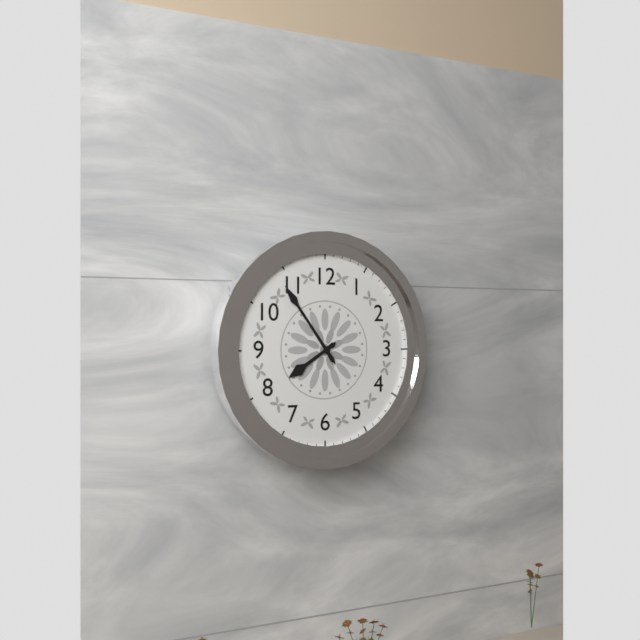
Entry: h=7 m=54
